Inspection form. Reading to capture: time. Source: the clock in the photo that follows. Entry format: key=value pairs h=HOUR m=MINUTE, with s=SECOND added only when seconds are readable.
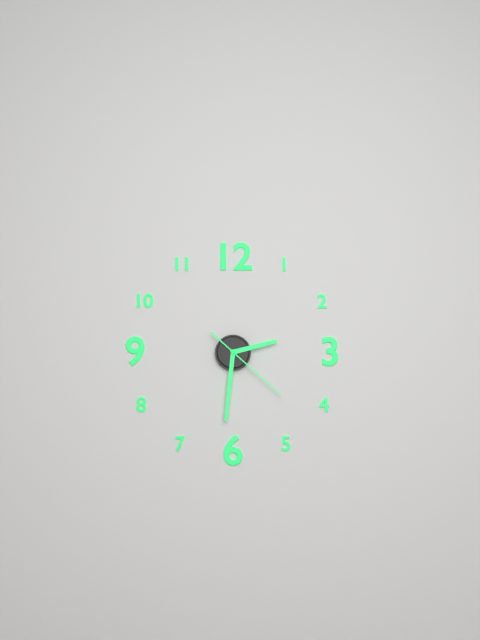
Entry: h=2 m=31 s=22
